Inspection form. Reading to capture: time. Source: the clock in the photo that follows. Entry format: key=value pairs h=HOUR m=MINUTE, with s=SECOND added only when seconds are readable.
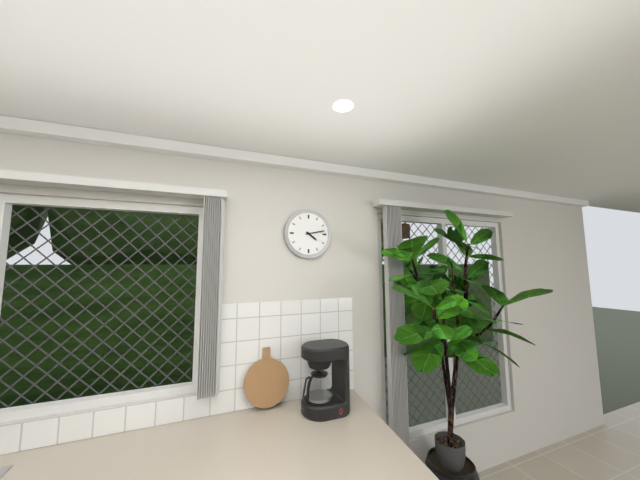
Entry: h=4 m=13
